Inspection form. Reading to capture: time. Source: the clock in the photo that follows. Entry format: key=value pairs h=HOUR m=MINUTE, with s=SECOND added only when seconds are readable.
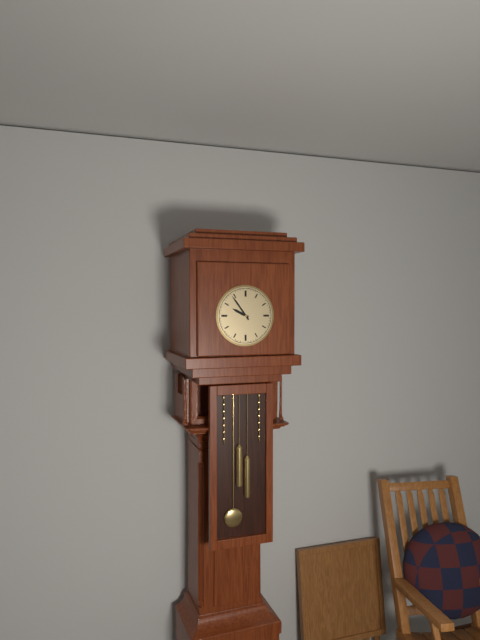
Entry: h=9 m=54
